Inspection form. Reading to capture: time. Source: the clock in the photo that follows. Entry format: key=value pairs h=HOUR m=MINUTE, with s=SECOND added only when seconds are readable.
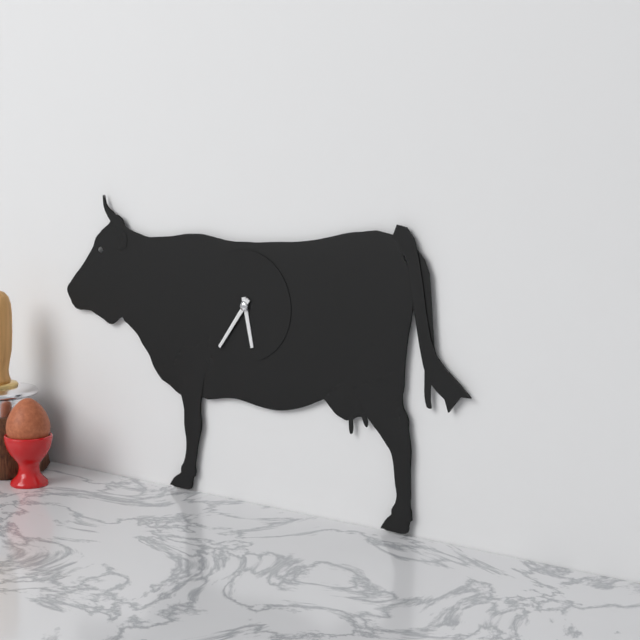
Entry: h=5 m=36
